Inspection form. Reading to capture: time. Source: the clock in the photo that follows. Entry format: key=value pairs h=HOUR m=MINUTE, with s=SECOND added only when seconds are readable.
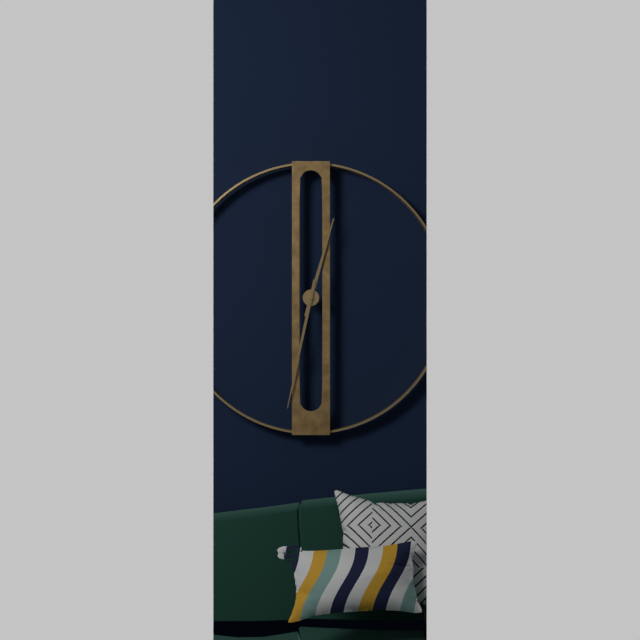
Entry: h=12 m=32
